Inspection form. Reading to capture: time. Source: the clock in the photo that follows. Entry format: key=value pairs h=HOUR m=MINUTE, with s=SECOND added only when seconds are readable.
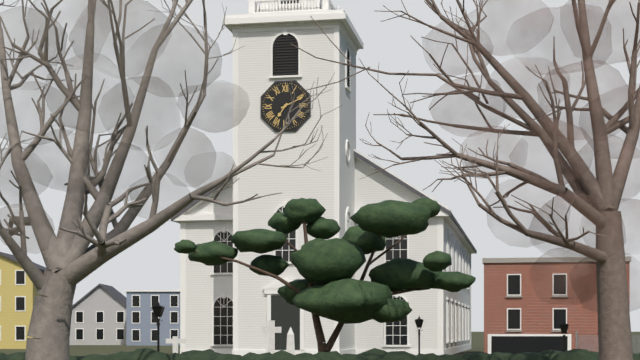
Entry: h=7 m=11
